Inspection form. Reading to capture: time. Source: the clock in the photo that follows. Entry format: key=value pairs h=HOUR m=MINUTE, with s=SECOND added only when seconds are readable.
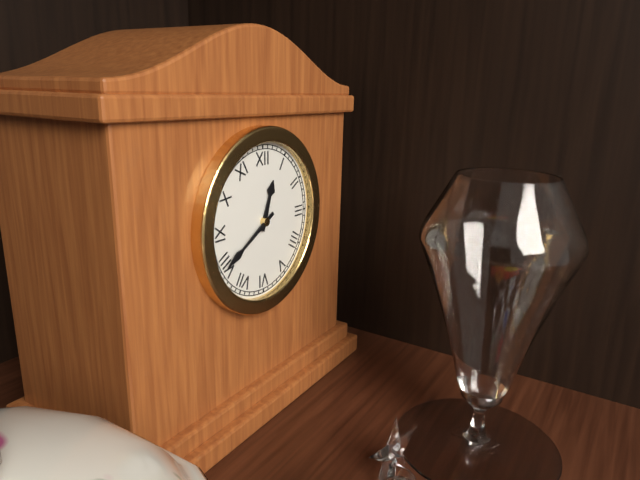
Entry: h=12 m=40
